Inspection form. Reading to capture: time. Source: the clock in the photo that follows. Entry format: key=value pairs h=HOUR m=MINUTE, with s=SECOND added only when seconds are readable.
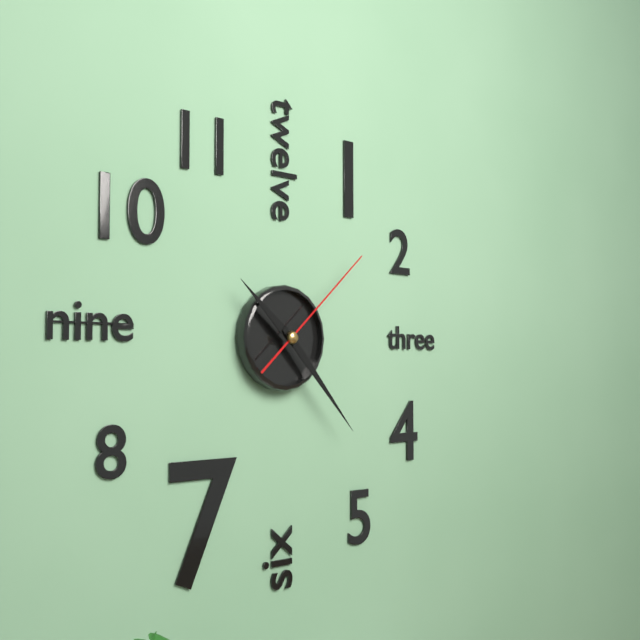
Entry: h=10 m=23 s=8
